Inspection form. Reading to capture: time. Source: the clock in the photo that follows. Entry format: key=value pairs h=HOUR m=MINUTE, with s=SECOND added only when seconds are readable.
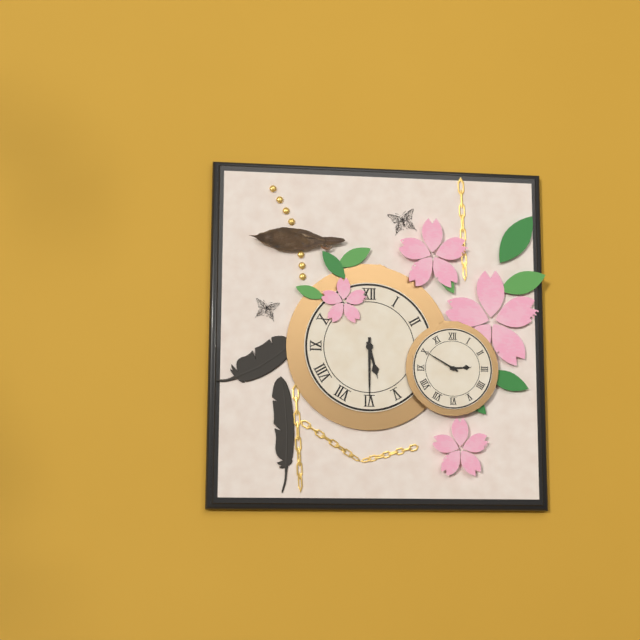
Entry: h=5 m=30
